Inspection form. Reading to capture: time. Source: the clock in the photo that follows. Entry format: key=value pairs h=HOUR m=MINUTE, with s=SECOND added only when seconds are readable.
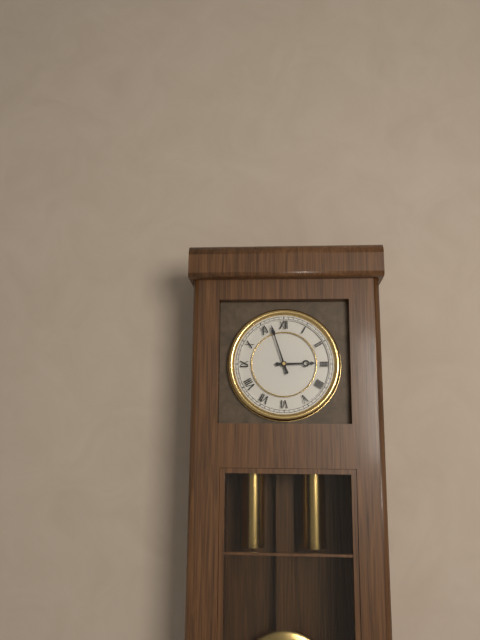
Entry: h=2 m=57
